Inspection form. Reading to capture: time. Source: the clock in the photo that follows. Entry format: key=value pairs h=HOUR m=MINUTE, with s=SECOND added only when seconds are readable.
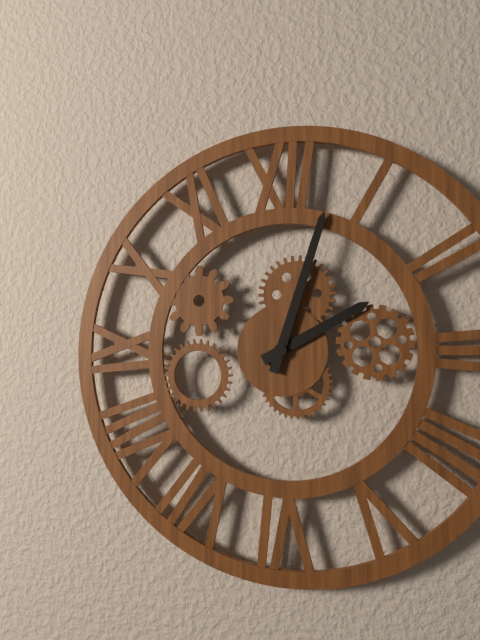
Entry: h=2 m=3
